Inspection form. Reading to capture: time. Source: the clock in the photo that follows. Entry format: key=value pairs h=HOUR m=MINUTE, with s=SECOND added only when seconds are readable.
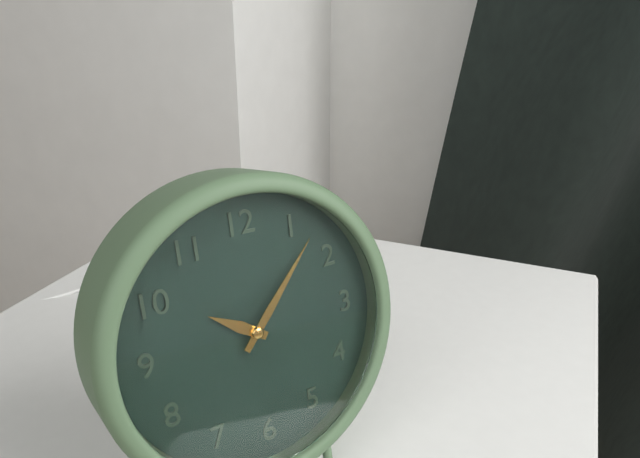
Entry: h=10 m=7
